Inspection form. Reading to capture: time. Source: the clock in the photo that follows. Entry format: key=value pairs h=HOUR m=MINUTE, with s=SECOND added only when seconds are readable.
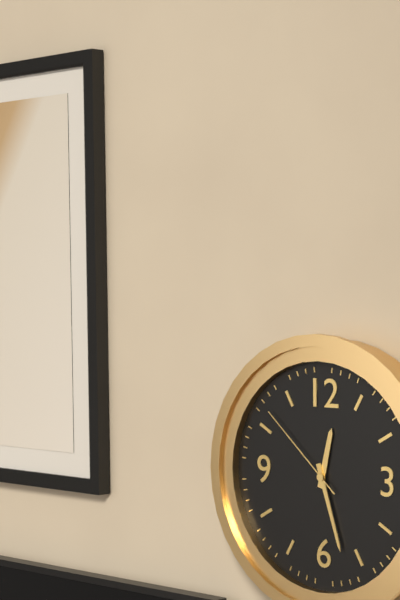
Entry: h=12 m=27 s=52
